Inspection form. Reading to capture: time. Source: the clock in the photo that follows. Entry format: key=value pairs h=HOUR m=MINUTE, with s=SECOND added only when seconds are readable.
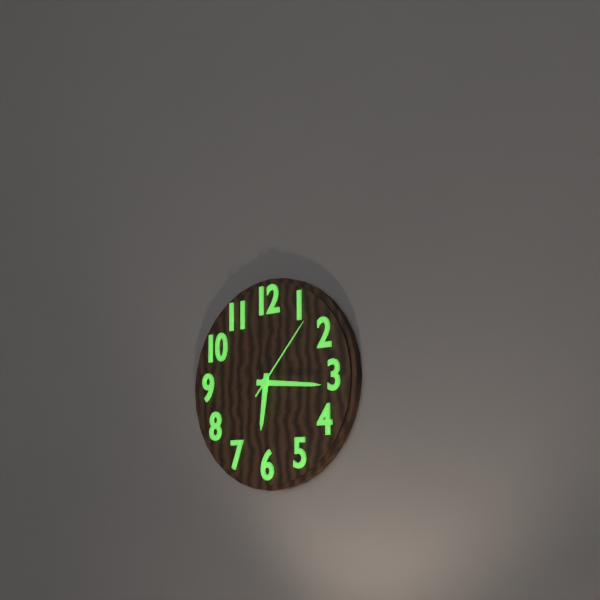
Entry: h=6 m=16 s=7
